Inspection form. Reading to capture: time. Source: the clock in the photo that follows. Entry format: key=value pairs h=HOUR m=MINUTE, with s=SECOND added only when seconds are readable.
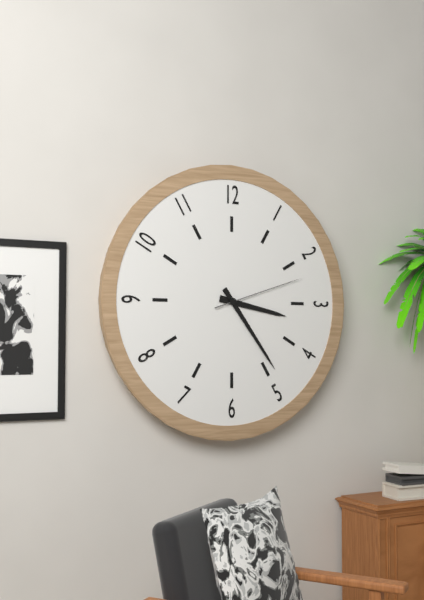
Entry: h=3 m=24 s=12
